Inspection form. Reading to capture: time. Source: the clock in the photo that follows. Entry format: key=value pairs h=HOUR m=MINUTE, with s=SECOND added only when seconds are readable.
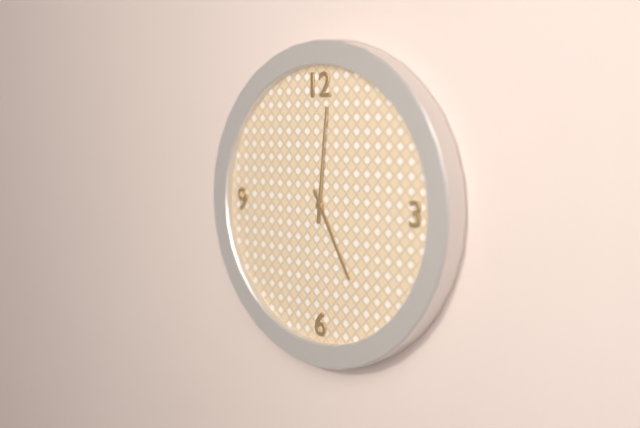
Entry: h=5 m=1
